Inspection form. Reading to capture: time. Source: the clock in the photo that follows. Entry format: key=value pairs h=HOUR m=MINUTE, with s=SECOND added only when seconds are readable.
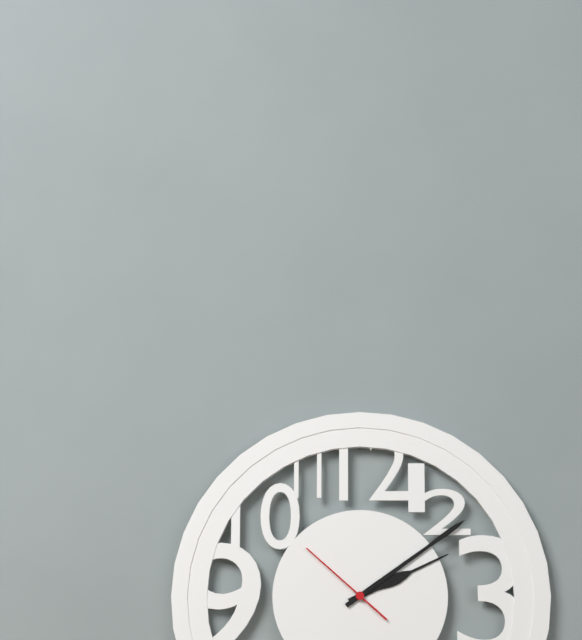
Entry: h=2 m=9 s=52
